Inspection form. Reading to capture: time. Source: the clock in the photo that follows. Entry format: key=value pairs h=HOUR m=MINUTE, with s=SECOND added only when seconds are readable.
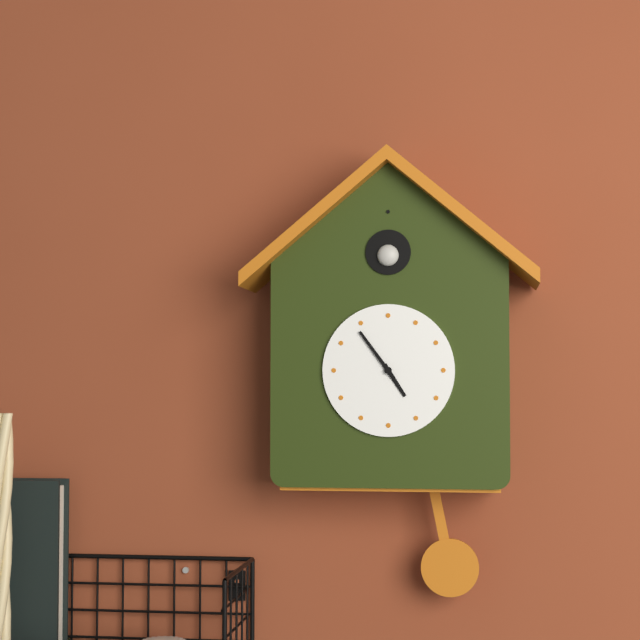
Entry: h=4 m=54
